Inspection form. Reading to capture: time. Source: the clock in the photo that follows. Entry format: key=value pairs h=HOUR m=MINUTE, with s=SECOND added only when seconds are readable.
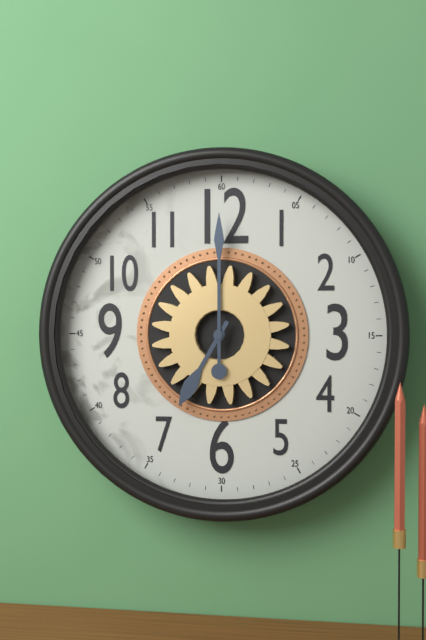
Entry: h=7 m=0
